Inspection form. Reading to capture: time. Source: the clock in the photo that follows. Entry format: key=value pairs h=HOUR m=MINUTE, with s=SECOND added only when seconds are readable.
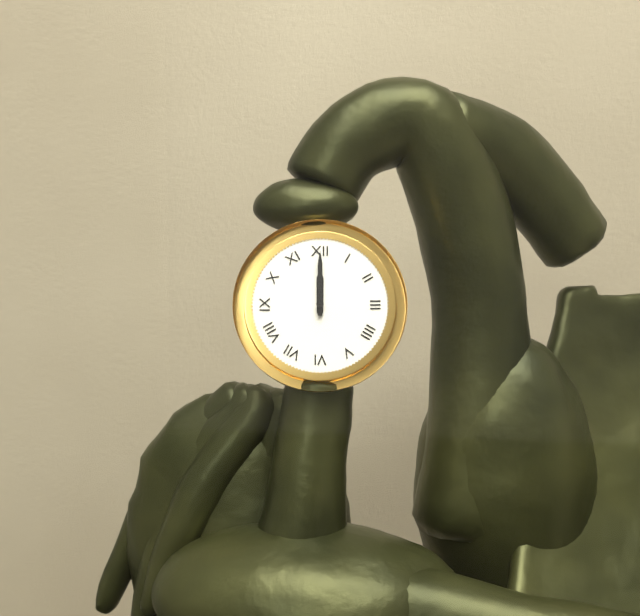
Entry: h=12 m=0
